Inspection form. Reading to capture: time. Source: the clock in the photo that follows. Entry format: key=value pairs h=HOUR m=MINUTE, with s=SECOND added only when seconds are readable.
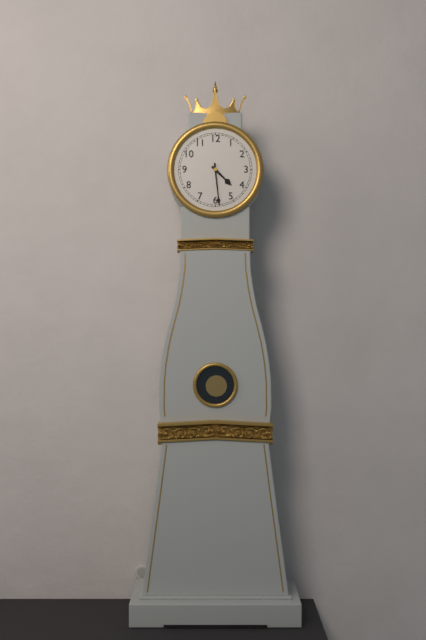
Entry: h=4 m=29
